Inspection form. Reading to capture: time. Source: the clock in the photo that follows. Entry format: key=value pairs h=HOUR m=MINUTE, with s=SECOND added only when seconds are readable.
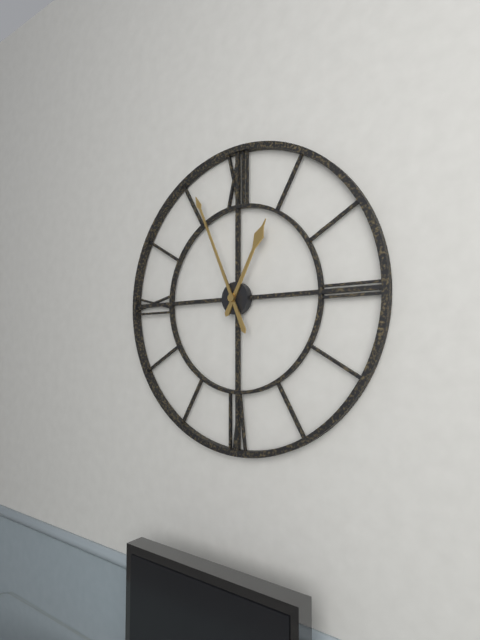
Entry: h=12 m=56
